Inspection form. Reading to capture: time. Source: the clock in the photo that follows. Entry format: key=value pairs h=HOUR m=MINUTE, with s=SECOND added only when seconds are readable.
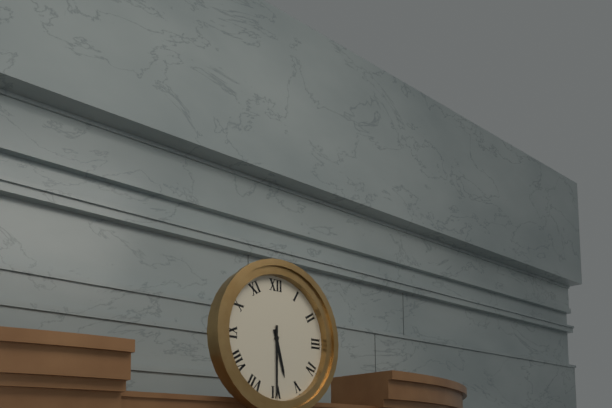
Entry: h=5 m=30
